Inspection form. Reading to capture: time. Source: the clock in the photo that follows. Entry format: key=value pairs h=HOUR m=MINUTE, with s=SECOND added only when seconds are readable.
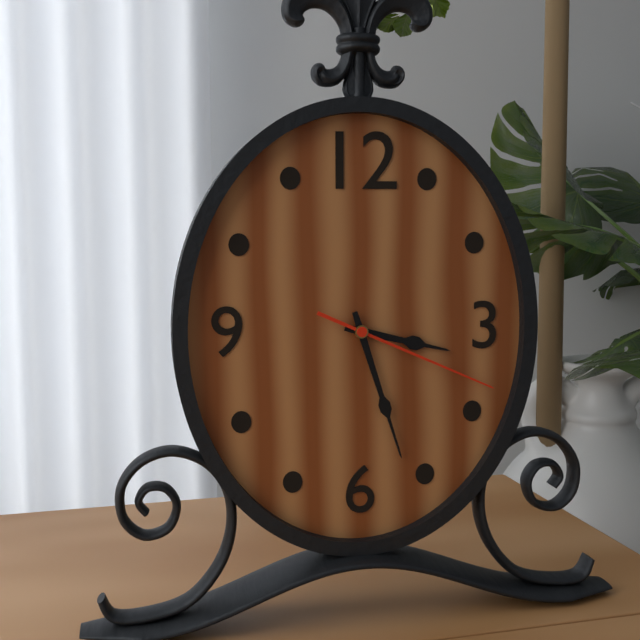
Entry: h=3 m=27 s=19
